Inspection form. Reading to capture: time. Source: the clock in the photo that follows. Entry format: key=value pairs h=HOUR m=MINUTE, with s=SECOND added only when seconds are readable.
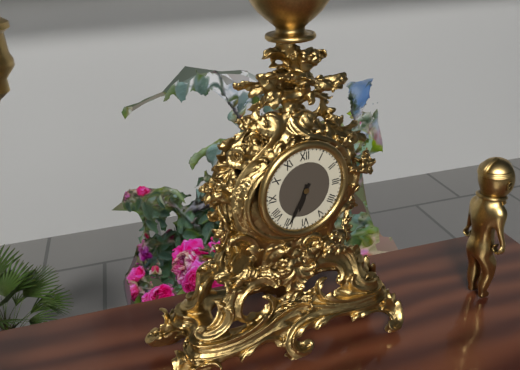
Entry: h=6 m=35
